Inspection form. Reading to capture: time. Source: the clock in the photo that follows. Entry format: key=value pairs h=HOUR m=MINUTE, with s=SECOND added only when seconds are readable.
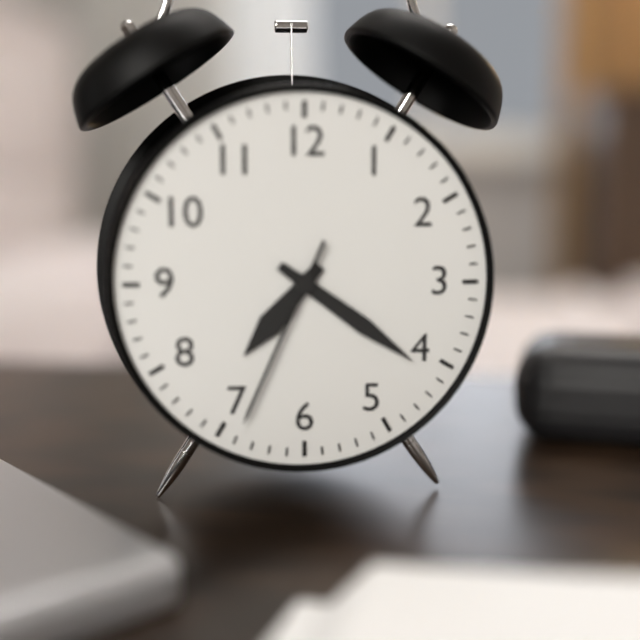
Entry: h=7 m=21 s=34
